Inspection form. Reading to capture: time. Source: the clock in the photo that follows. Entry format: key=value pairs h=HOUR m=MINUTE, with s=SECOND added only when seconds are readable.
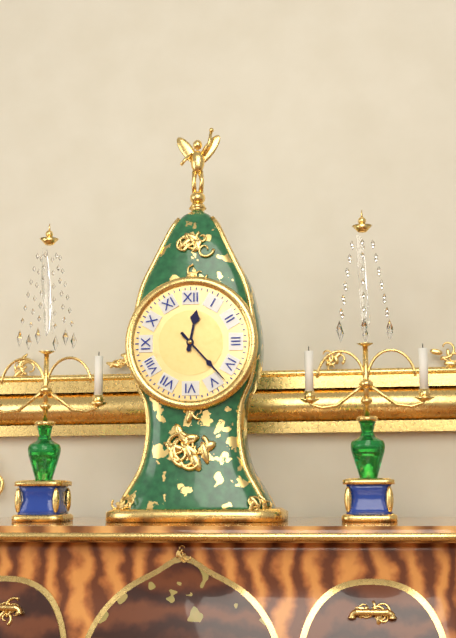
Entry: h=12 m=23
